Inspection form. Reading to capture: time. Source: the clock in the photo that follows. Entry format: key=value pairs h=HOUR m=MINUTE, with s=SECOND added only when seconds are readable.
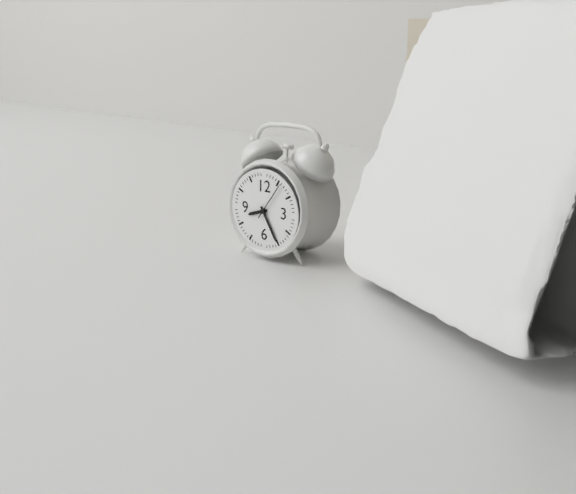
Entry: h=8 m=25
